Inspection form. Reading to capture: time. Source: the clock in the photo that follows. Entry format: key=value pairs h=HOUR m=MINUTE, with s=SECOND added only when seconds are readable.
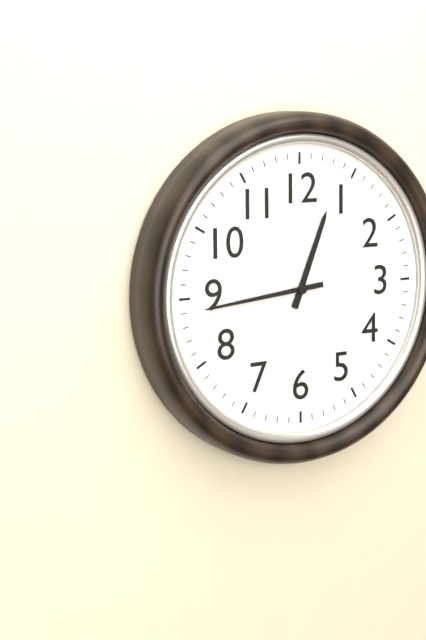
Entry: h=12 m=44
